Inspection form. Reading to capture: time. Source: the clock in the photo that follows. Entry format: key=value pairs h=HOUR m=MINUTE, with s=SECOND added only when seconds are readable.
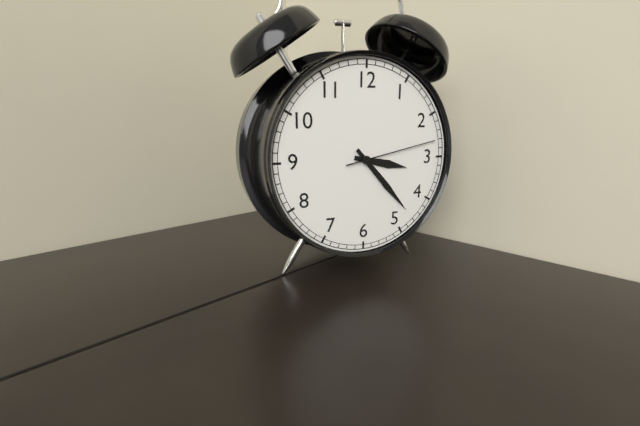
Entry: h=3 m=23 s=13
